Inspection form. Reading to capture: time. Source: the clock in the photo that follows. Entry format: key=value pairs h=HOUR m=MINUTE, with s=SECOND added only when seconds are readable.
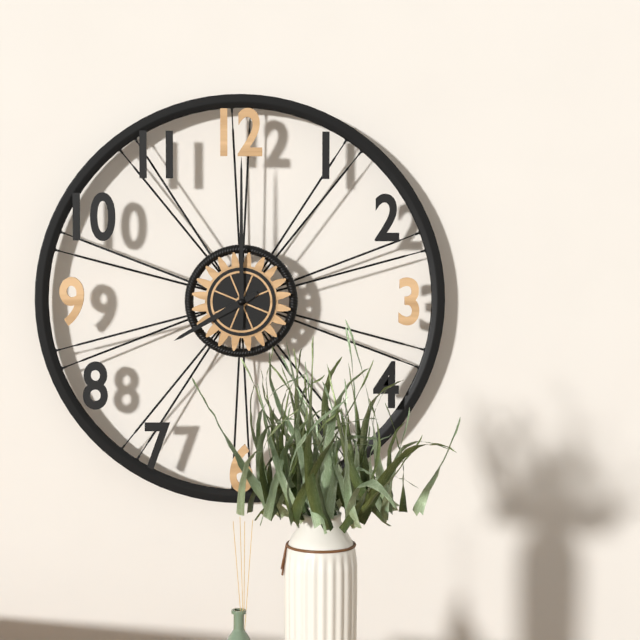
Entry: h=8 m=0
